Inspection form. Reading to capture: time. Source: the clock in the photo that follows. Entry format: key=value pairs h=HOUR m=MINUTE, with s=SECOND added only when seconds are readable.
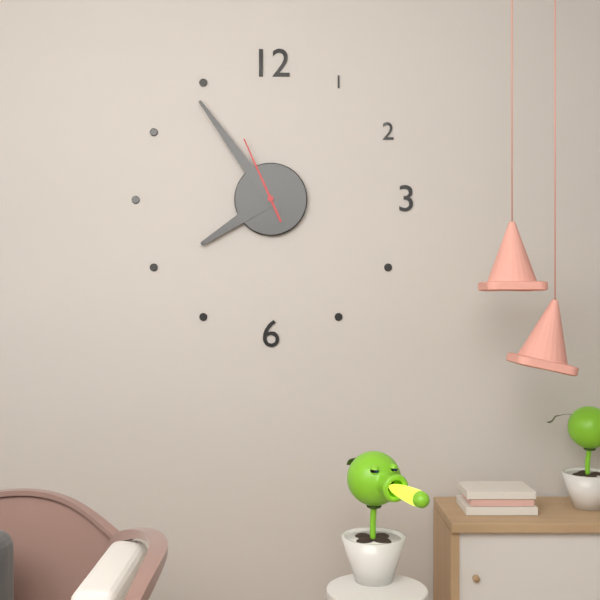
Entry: h=7 m=54 s=56
